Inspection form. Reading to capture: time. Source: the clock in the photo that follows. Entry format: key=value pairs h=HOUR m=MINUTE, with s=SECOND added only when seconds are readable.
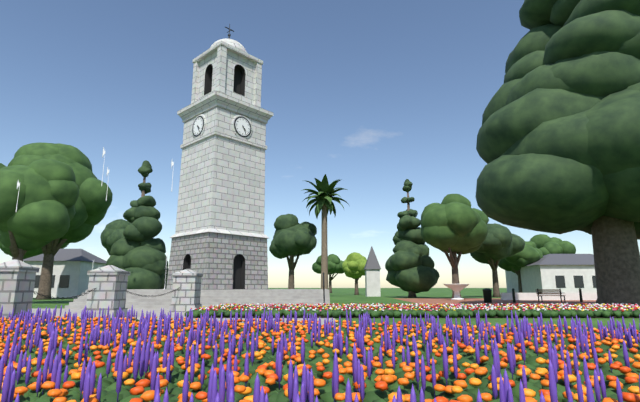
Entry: h=4 m=25
